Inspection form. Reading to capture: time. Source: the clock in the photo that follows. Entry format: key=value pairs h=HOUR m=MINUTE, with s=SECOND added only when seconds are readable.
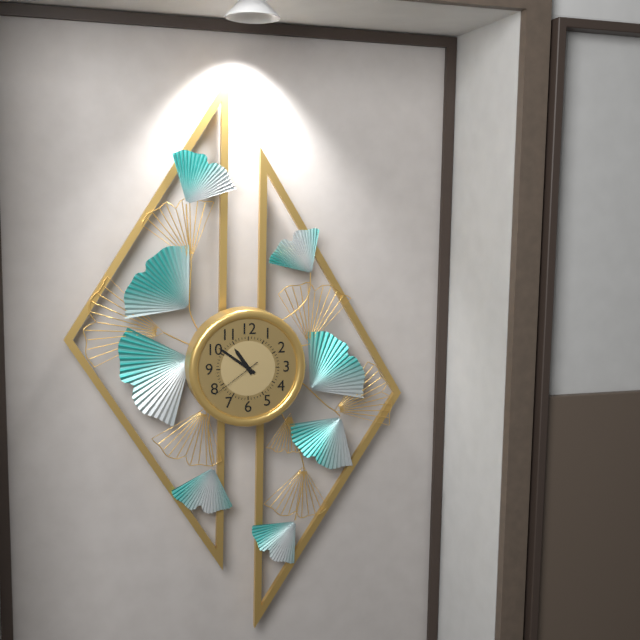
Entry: h=10 m=51 s=39
